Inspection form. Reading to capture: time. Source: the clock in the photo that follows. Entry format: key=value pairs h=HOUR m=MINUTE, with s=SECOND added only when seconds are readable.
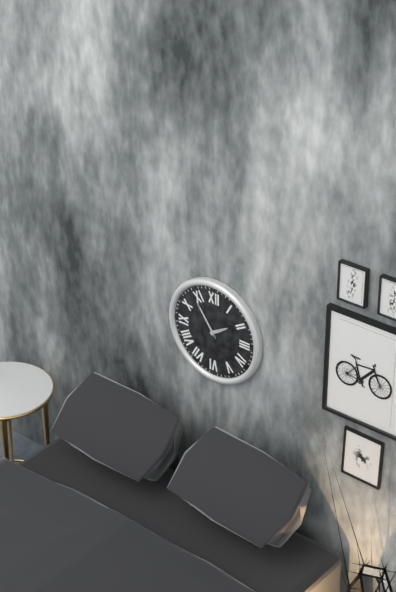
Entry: h=1 m=54
